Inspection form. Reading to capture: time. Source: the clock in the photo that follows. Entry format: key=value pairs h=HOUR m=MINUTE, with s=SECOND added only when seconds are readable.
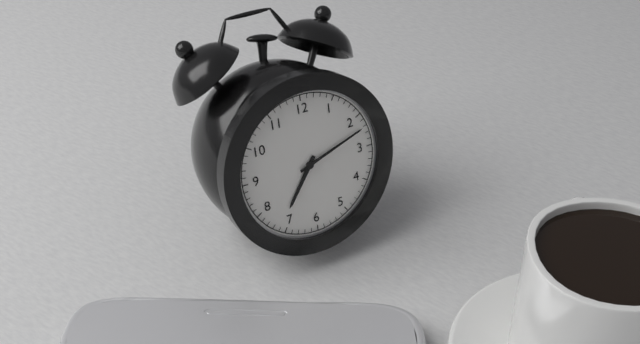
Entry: h=7 m=12
